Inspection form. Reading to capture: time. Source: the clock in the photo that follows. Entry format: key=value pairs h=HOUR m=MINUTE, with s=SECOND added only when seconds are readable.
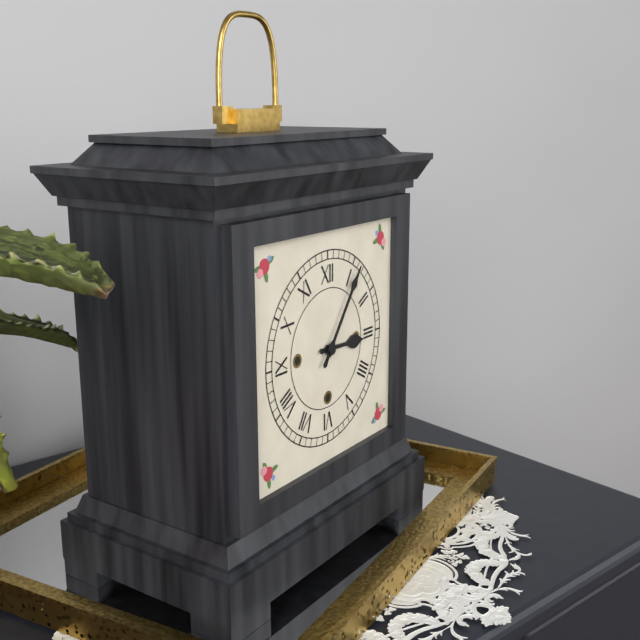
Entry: h=3 m=6
